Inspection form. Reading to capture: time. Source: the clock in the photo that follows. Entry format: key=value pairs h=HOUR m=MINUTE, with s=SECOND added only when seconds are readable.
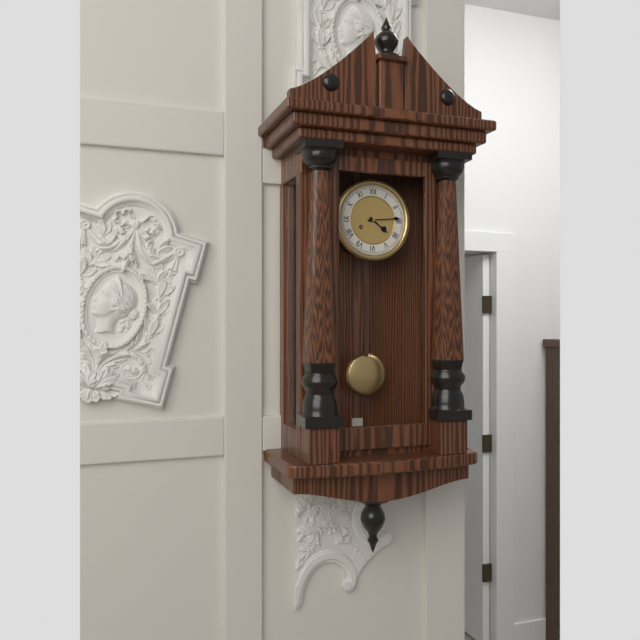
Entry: h=4 m=14
